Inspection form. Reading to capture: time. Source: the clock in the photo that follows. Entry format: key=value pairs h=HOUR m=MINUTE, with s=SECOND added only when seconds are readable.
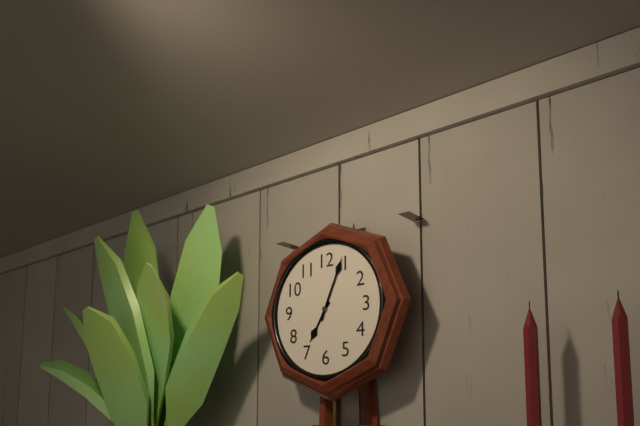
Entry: h=7 m=4
